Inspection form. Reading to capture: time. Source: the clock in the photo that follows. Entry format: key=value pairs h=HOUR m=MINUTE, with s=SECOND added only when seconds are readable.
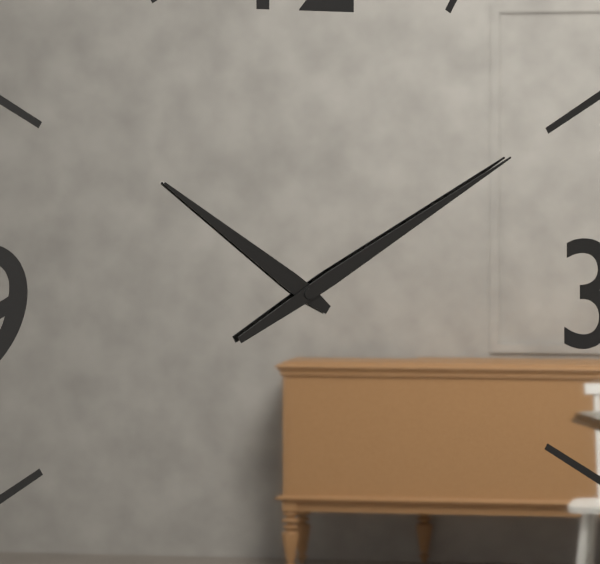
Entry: h=10 m=10
